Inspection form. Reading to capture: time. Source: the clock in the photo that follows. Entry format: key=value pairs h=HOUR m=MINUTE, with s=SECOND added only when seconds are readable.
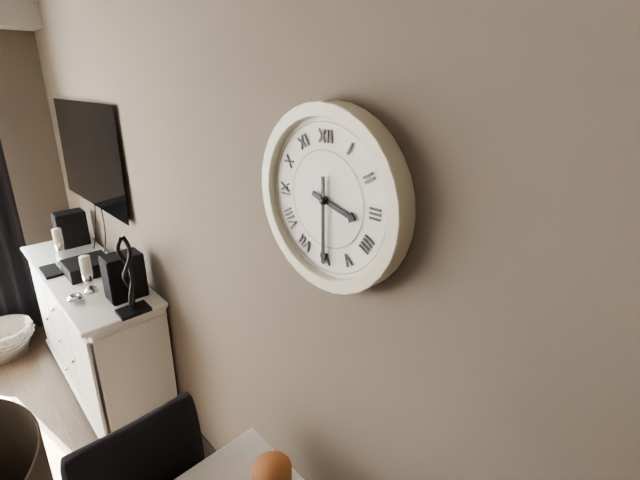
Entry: h=3 m=30
